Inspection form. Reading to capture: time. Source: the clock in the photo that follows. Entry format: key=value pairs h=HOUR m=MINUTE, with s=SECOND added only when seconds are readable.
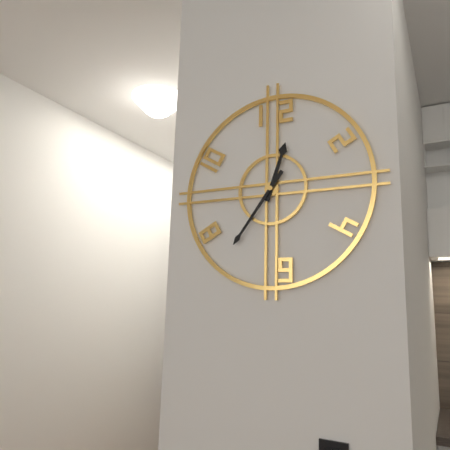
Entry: h=12 m=36
